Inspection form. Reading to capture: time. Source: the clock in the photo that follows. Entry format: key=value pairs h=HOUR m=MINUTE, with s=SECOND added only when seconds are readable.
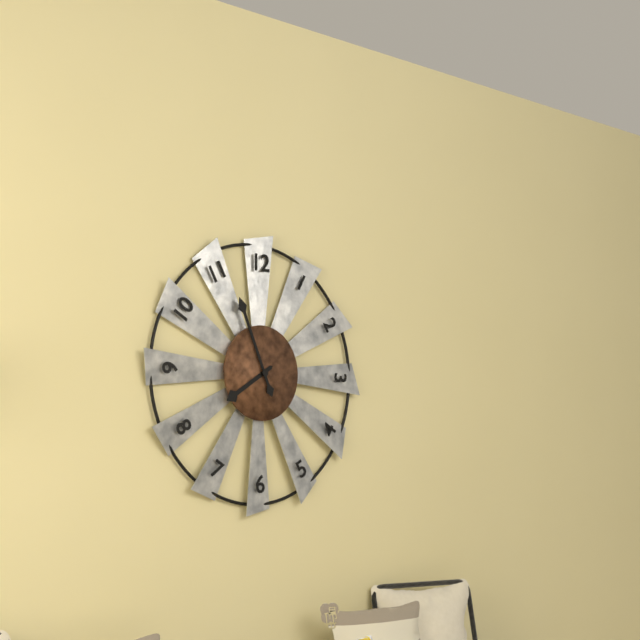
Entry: h=7 m=56
